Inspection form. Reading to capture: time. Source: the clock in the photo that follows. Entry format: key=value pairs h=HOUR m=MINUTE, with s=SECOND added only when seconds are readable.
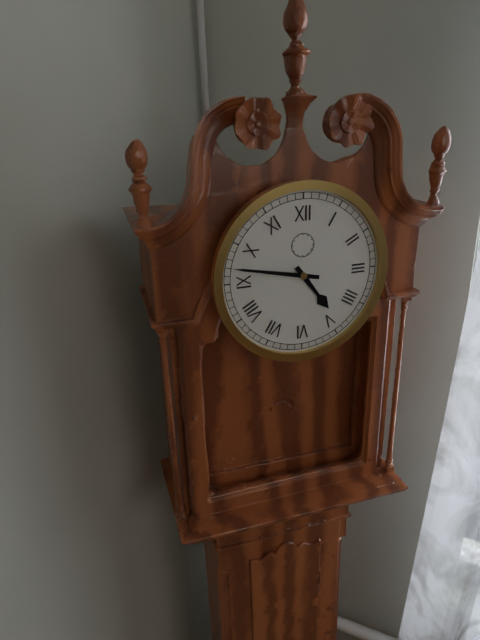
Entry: h=4 m=47
